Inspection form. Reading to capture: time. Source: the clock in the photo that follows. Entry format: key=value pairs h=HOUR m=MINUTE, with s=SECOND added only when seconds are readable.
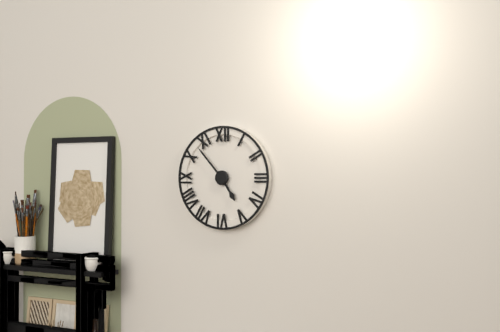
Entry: h=4 m=53
